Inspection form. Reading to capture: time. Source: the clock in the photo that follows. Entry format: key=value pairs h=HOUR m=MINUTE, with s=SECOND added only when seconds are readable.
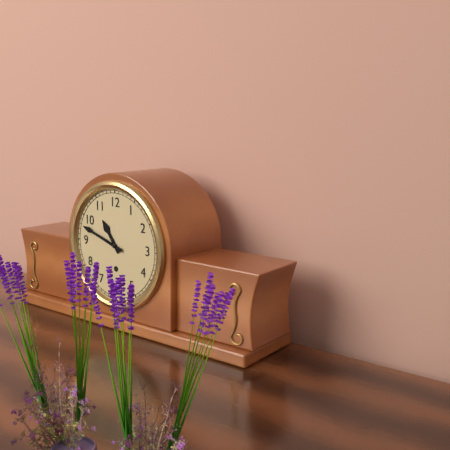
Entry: h=10 m=48
